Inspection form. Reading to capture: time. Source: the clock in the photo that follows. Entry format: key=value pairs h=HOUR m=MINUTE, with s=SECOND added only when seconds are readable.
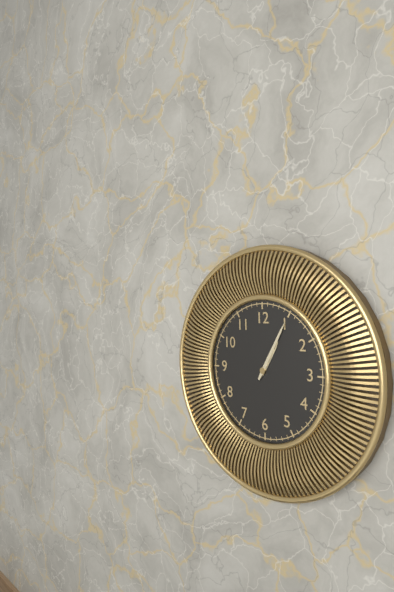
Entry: h=1 m=5
